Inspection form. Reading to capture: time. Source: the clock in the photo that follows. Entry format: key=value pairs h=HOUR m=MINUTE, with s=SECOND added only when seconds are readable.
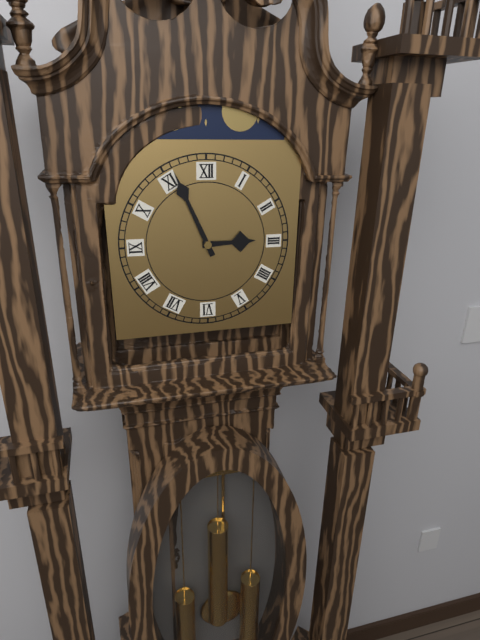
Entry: h=2 m=56
